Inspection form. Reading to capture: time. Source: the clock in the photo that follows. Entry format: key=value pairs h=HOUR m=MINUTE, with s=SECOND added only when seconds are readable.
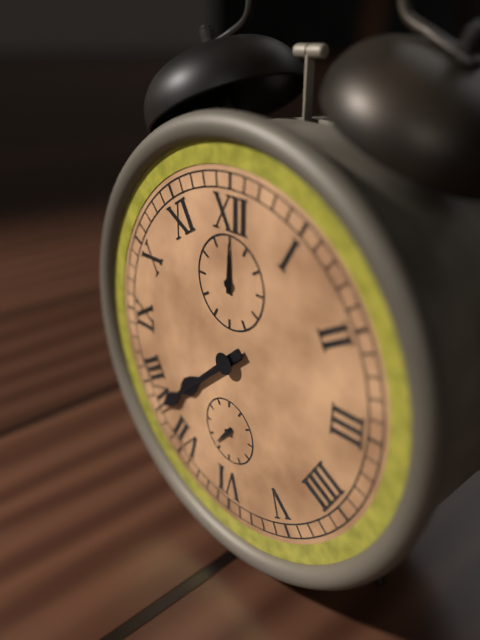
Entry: h=7 m=38
